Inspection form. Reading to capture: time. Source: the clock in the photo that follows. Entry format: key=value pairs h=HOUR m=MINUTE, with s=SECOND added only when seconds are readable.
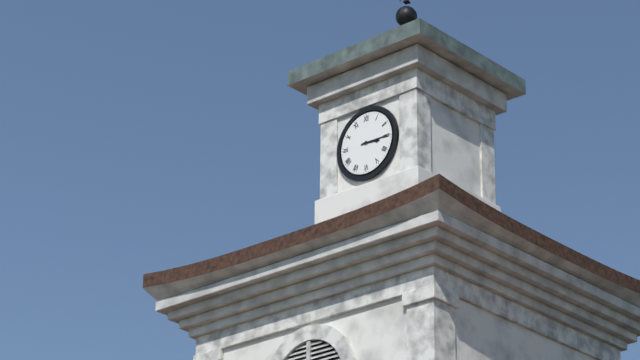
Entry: h=3 m=15
